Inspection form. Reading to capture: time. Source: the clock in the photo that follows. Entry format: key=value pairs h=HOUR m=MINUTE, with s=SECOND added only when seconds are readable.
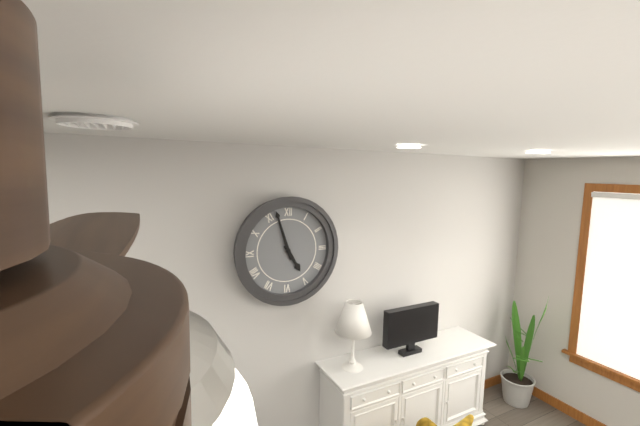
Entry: h=4 m=57
